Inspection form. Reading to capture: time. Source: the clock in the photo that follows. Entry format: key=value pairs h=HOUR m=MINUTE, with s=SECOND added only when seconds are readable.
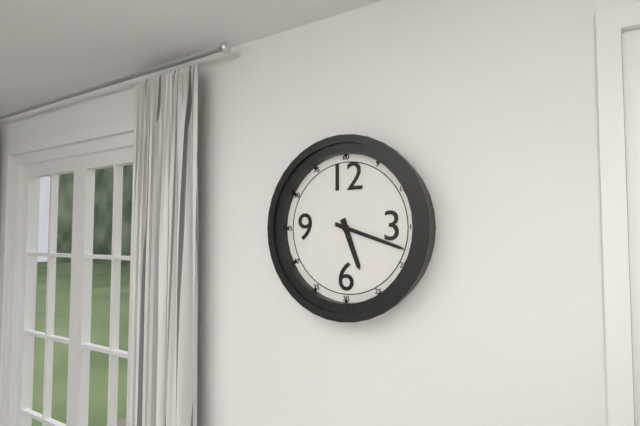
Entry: h=5 m=18
